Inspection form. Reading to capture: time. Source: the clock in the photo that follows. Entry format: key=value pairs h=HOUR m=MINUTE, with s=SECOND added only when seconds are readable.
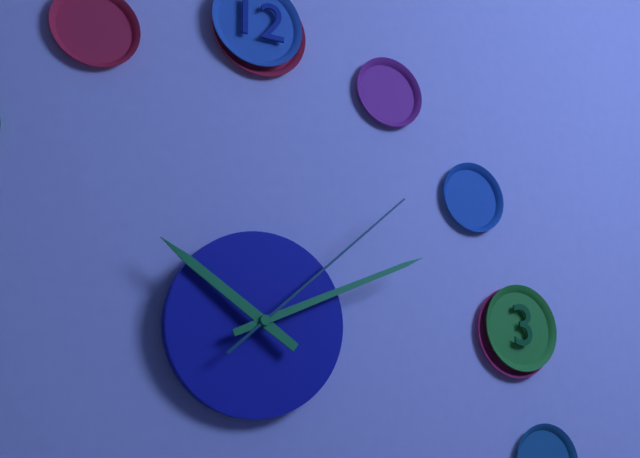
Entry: h=10 m=11 s=8
